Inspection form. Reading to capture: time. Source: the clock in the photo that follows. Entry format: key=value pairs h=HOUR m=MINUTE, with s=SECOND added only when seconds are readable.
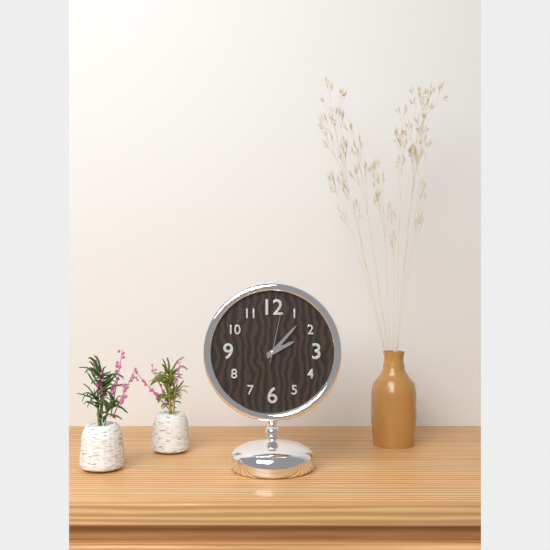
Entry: h=2 m=7 s=2
